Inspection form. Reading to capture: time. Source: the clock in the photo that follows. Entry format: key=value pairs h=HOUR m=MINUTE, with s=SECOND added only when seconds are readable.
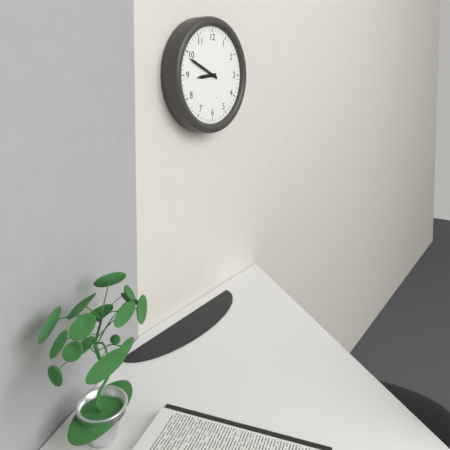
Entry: h=8 m=49
